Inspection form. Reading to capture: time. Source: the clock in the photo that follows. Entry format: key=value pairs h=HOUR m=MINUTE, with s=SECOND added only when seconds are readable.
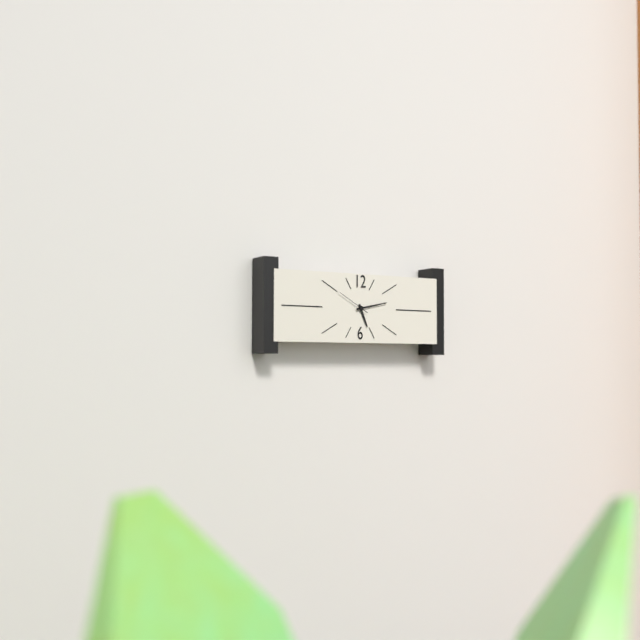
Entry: h=5 m=13
